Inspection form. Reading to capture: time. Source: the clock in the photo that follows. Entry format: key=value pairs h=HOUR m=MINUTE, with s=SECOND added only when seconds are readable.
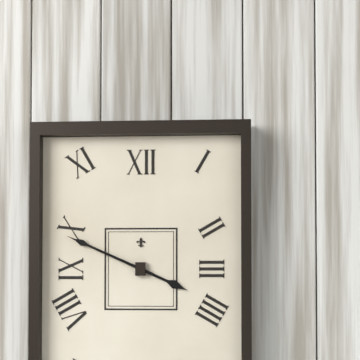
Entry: h=3 m=49
